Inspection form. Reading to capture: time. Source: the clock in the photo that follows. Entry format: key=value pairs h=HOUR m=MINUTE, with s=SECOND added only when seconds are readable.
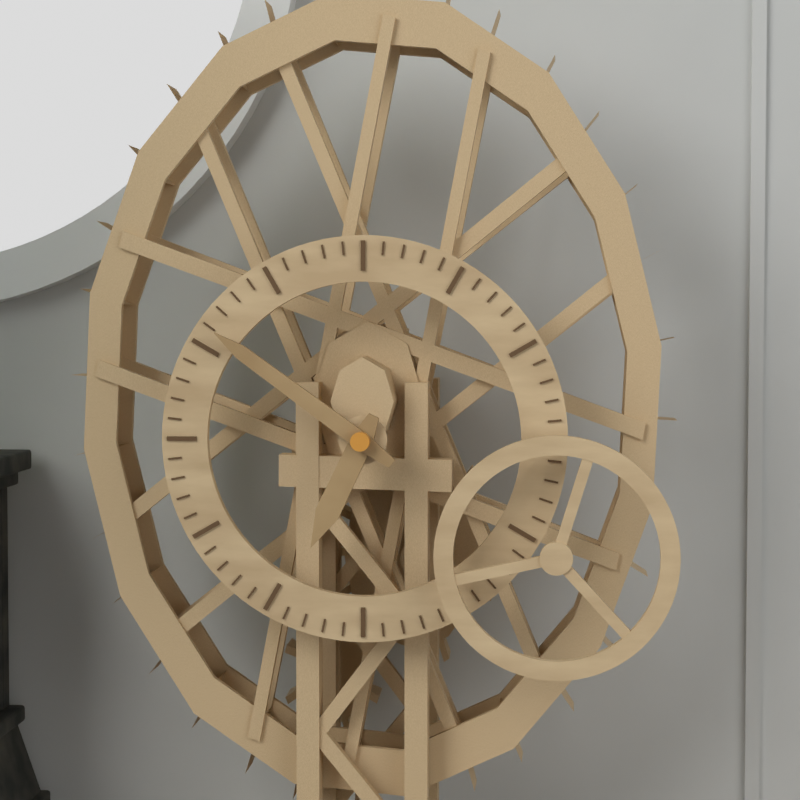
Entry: h=6 m=51
